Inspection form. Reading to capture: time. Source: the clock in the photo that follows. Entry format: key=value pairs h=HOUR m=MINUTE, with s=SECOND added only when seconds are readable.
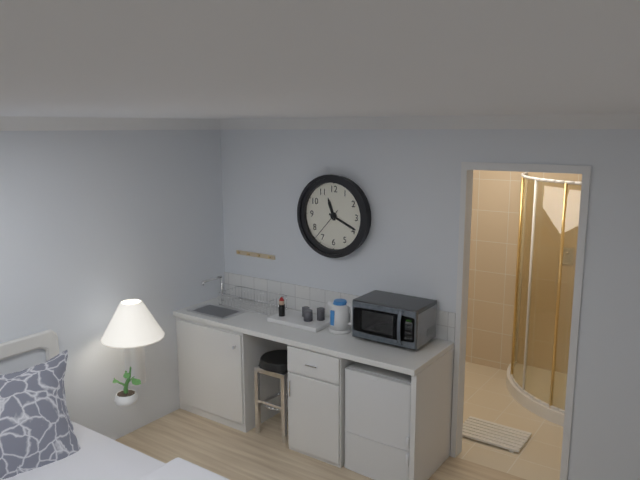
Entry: h=11 m=19
